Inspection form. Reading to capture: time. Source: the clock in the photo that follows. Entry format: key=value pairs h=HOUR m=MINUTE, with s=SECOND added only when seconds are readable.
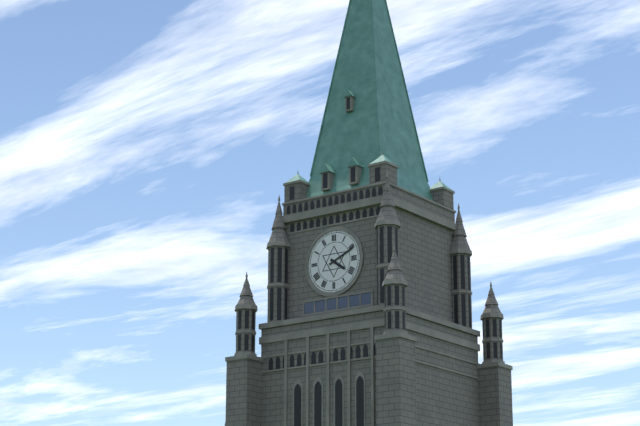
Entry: h=4 m=11
